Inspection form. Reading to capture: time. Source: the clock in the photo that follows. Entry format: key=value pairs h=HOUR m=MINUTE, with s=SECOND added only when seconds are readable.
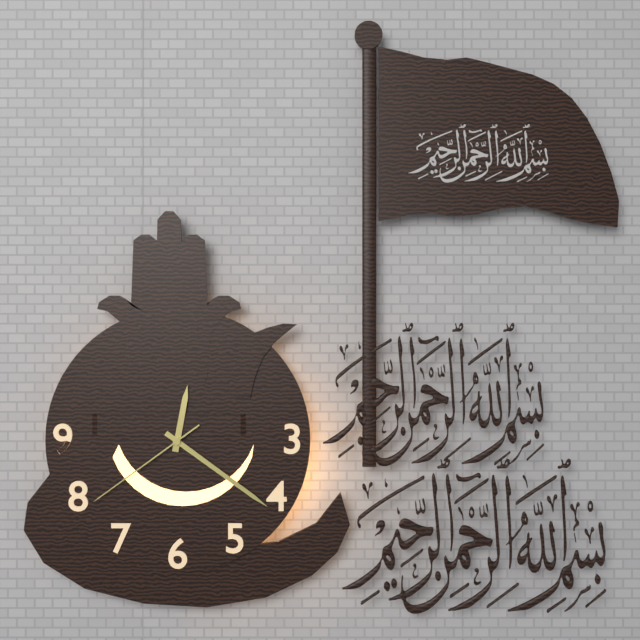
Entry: h=12 m=21 s=39
